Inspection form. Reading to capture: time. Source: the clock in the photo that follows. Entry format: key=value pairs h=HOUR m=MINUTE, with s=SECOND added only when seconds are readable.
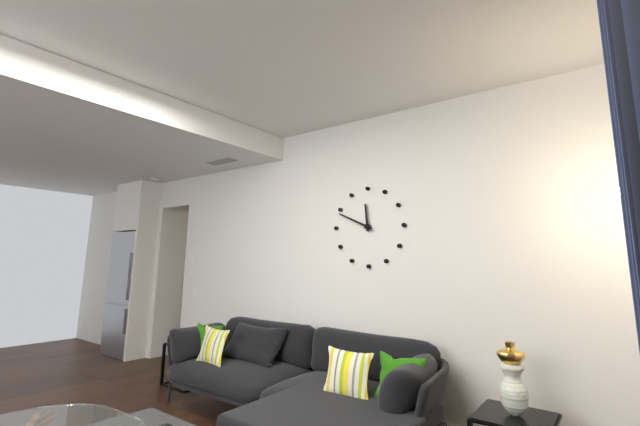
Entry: h=11 m=49
